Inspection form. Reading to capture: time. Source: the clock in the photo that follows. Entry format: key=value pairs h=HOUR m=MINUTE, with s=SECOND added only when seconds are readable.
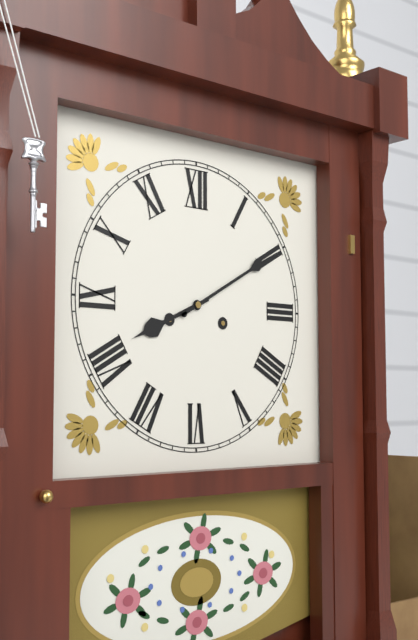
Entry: h=8 m=10
